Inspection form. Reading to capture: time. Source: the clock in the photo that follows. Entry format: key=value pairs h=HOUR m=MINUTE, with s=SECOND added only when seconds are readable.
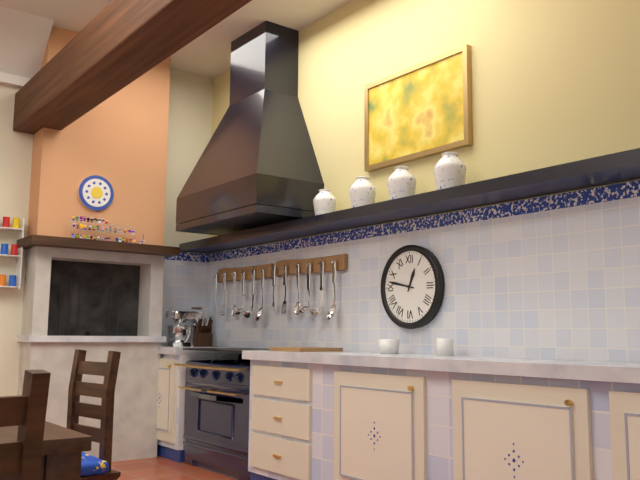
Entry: h=12 m=47
